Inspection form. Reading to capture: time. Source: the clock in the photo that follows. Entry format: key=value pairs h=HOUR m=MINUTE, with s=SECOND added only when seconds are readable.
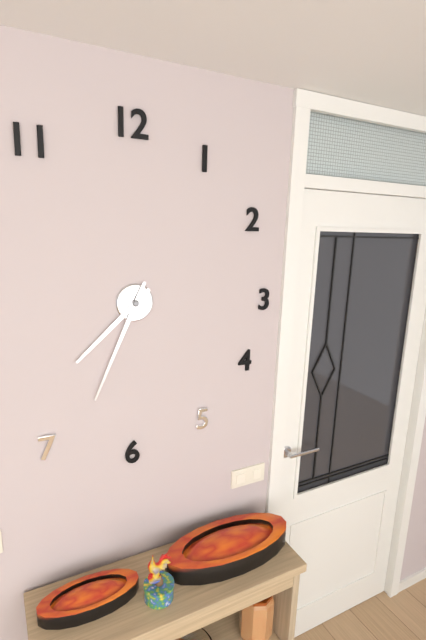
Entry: h=7 m=34
